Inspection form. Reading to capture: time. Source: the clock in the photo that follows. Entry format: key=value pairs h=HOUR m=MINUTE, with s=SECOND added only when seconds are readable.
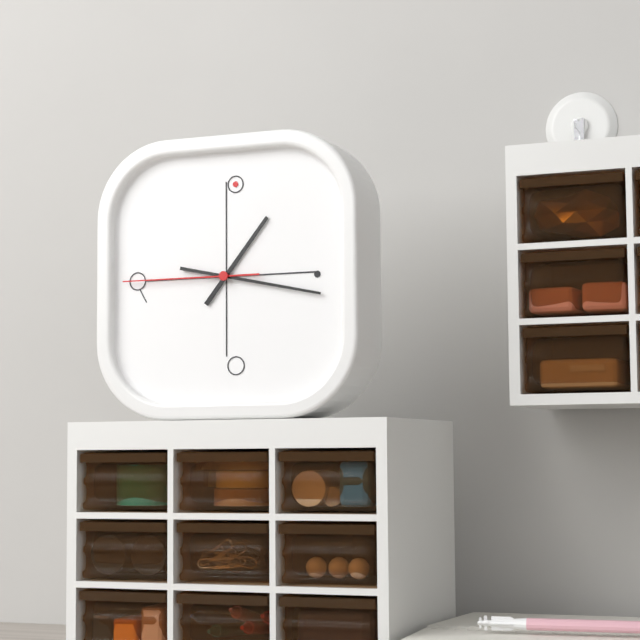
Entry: h=1 m=17 s=45
